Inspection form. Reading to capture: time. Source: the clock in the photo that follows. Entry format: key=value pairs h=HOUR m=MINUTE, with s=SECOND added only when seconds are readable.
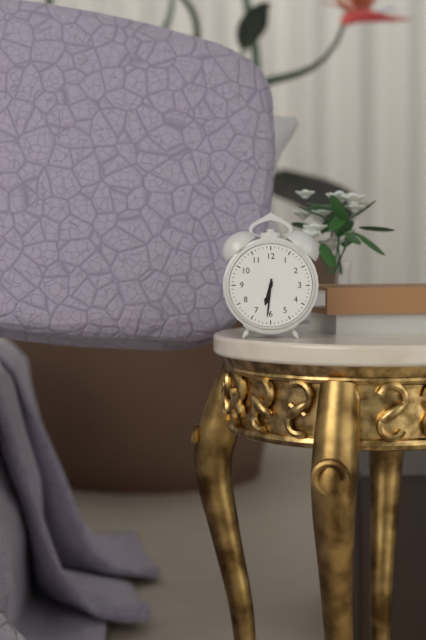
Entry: h=6 m=31
